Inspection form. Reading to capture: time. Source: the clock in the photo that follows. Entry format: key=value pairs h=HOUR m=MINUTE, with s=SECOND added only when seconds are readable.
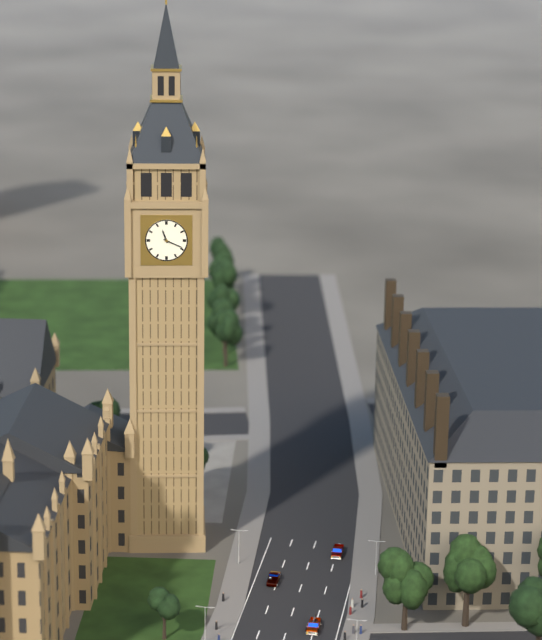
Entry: h=11 m=19
